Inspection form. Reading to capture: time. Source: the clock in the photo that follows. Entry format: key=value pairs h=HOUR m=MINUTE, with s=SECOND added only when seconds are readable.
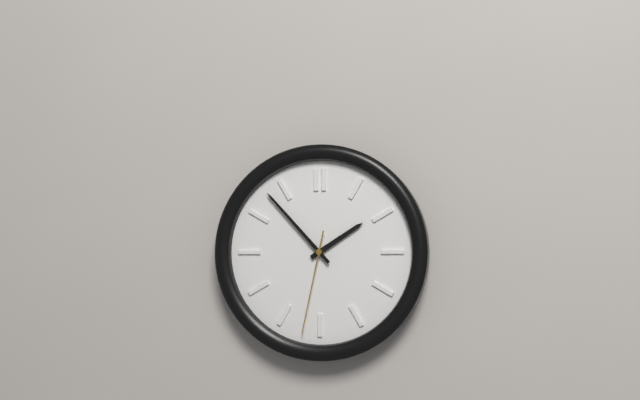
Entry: h=1 m=53 s=32
